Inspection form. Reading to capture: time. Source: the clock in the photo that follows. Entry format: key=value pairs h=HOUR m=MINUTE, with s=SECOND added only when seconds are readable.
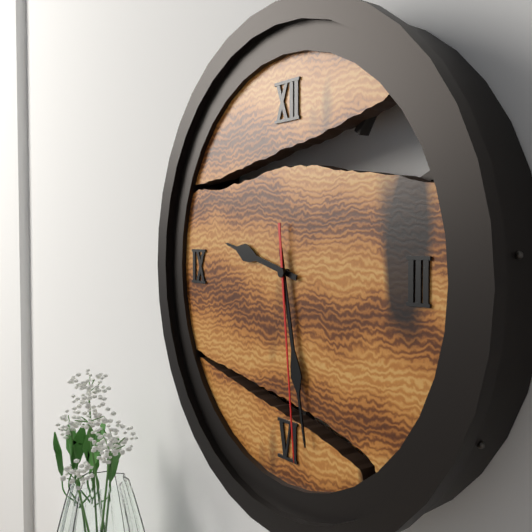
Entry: h=9 m=28 s=29
